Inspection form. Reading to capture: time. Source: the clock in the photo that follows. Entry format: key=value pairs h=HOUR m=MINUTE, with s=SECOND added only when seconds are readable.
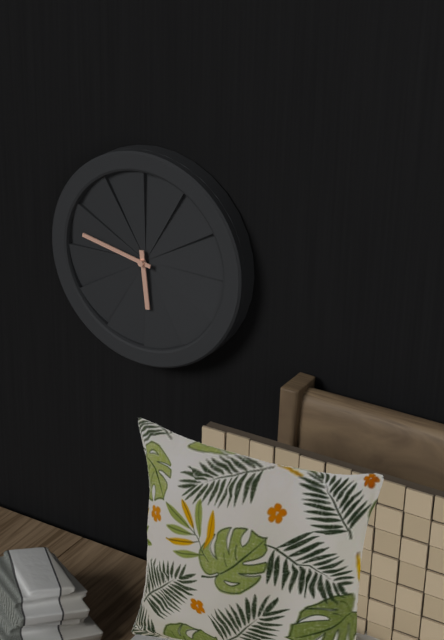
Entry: h=5 m=47
